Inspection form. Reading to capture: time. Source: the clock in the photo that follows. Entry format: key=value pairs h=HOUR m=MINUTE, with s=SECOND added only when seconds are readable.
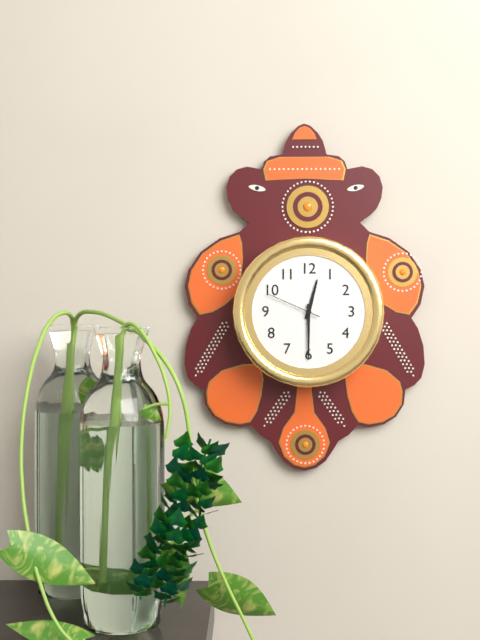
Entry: h=12 m=30 s=49
